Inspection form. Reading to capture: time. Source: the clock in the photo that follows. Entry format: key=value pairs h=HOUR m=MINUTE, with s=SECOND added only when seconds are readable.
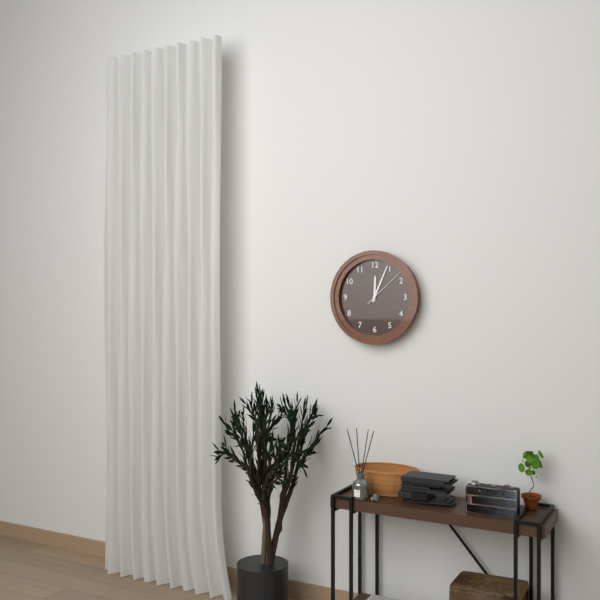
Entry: h=12 m=4
